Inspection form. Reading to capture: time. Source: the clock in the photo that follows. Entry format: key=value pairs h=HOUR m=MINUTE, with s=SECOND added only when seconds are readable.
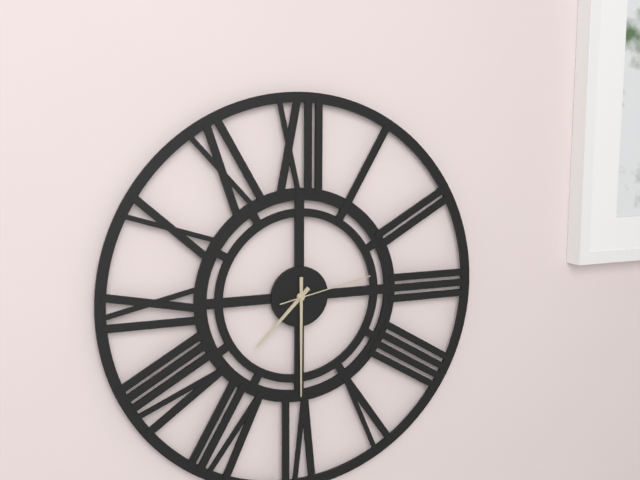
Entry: h=7 m=30 s=13
